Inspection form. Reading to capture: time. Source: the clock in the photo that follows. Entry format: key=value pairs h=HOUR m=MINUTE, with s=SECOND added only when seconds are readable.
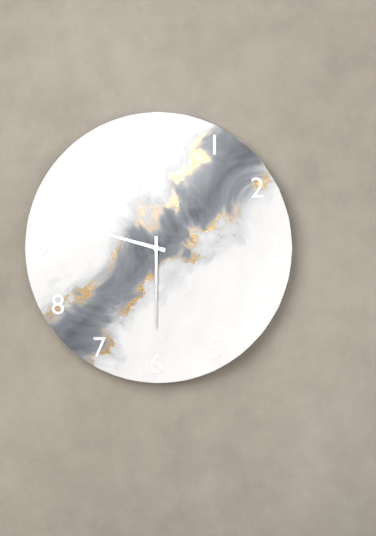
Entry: h=9 m=30
